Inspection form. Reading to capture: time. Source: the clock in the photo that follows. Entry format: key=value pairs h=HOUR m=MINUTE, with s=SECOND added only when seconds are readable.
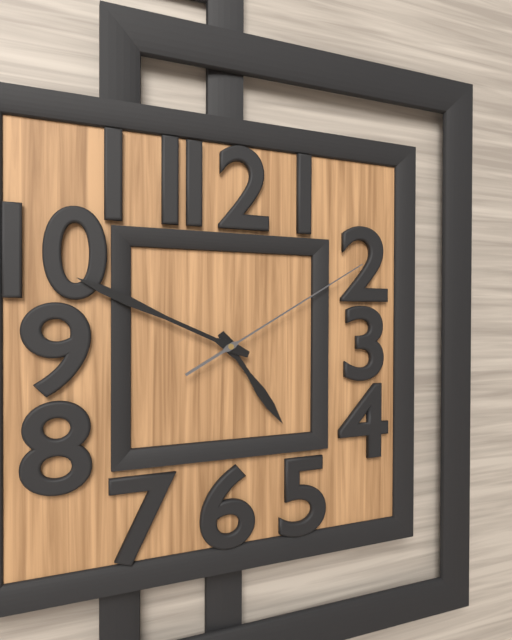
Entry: h=4 m=49 s=10
